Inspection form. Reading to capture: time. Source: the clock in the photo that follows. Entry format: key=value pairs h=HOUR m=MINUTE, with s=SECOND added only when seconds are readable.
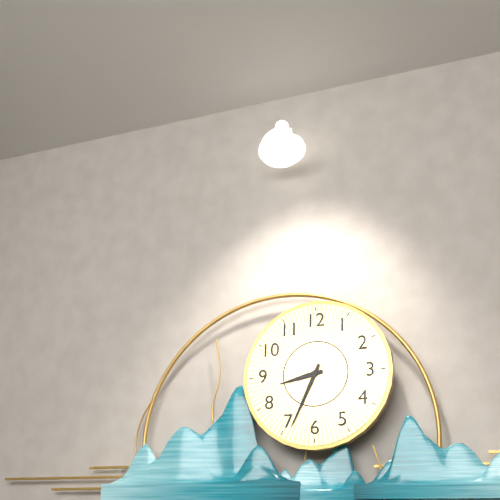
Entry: h=8 m=34
